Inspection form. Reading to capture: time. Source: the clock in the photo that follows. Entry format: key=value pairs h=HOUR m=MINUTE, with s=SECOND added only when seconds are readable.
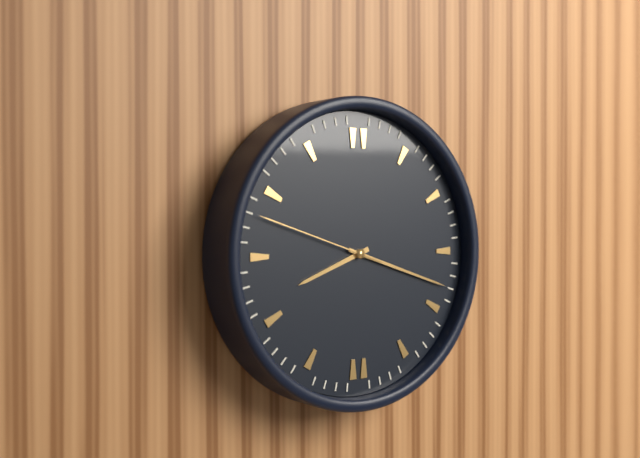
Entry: h=8 m=18 s=48
